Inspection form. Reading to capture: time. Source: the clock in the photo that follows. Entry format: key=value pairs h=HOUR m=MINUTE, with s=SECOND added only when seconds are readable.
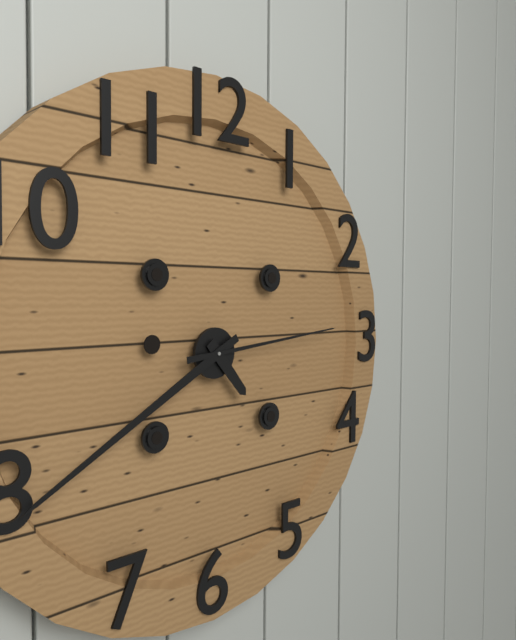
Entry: h=4 m=40 s=14
